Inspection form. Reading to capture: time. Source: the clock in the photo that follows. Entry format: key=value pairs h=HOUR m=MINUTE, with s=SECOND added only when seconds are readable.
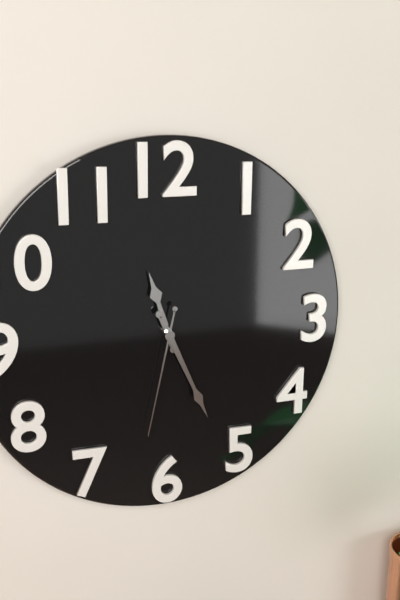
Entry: h=11 m=26 s=32
